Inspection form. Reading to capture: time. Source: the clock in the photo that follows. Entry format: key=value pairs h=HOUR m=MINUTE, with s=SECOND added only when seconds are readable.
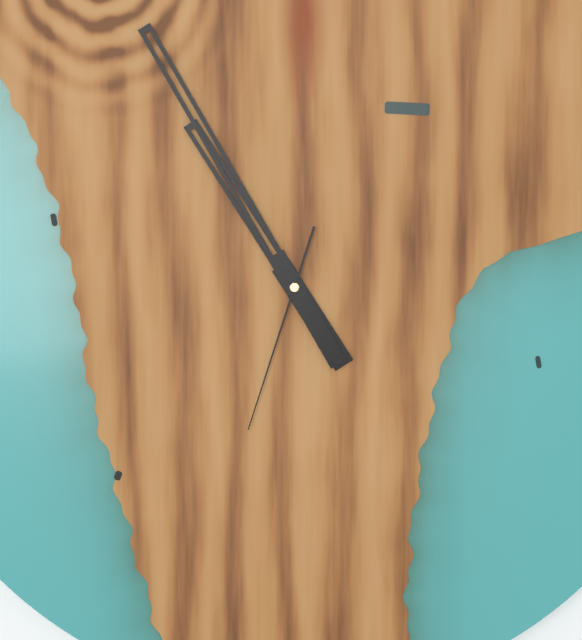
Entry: h=10 m=55 s=33
